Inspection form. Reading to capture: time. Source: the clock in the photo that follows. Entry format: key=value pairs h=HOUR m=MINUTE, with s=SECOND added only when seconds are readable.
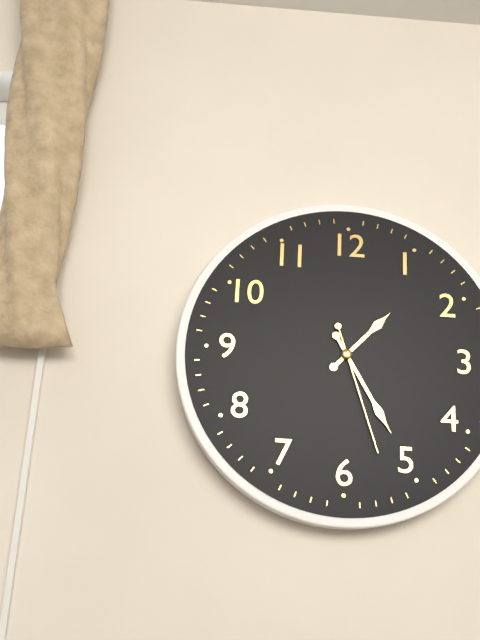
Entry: h=1 m=25 s=27
